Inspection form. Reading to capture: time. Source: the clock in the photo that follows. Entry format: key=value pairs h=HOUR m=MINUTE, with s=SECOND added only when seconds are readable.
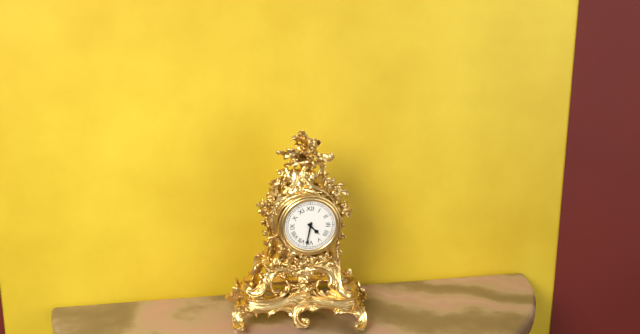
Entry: h=4 m=32
